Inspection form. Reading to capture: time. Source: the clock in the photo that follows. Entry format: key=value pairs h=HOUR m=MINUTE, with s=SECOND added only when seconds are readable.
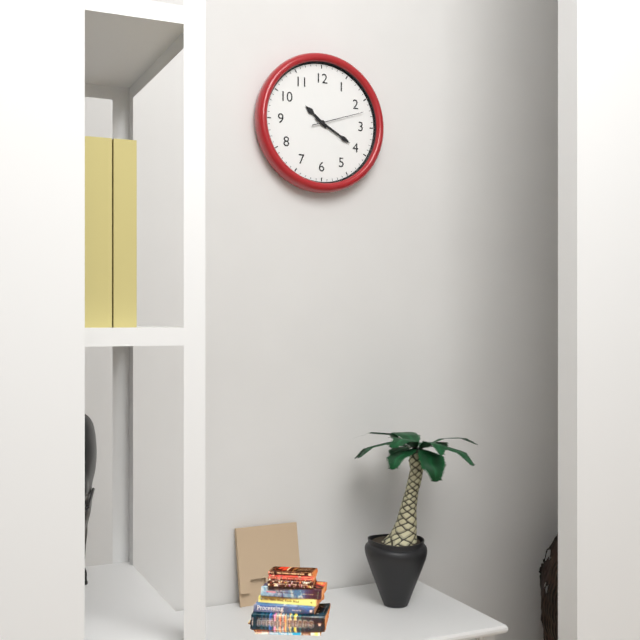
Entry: h=10 m=20 s=12
